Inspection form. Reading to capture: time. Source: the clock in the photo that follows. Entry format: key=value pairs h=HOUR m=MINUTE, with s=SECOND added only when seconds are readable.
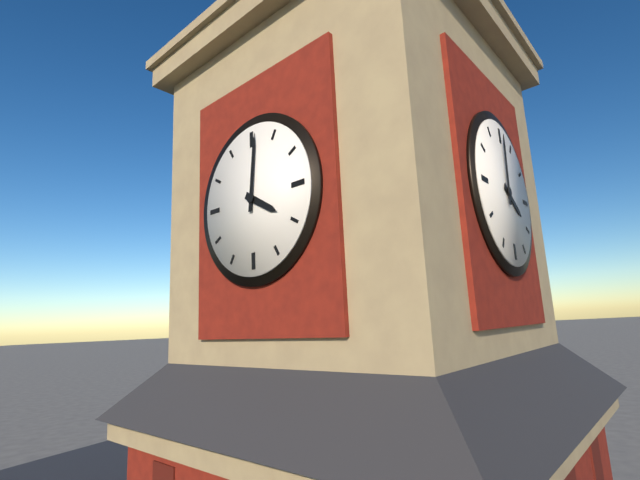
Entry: h=4 m=1
